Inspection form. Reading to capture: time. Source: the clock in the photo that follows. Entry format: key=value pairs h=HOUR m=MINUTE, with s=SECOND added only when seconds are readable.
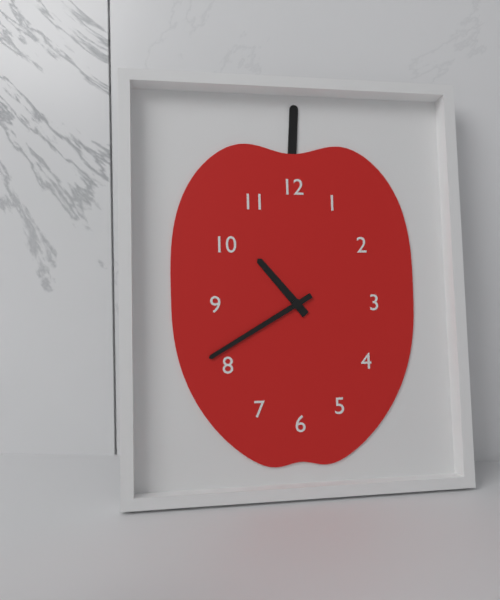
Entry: h=10 m=40
